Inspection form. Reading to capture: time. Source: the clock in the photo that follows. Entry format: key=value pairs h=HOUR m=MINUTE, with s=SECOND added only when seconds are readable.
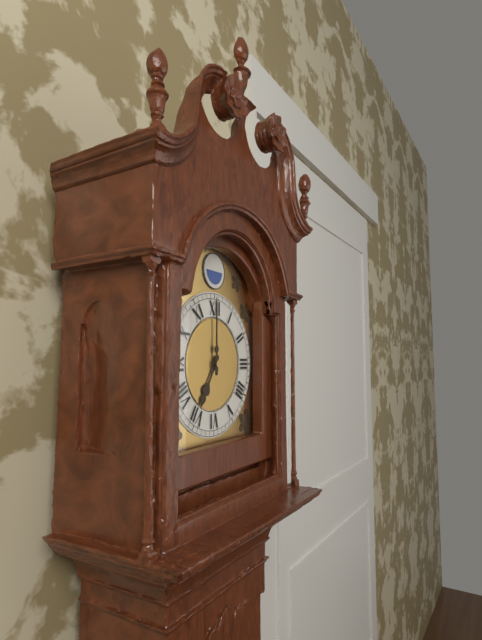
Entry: h=7 m=0
